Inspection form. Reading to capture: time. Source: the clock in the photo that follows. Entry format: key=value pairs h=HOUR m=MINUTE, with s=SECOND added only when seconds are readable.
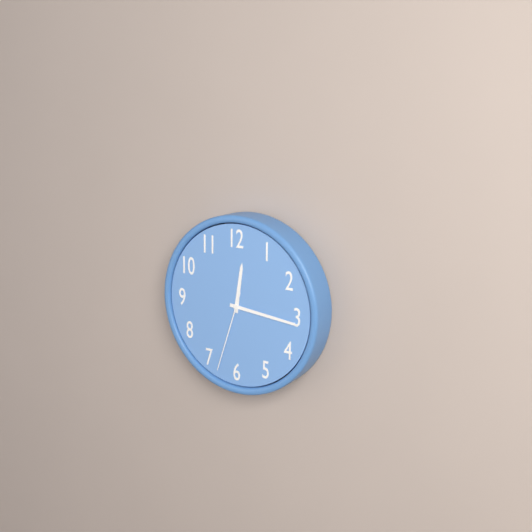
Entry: h=12 m=16 s=33
